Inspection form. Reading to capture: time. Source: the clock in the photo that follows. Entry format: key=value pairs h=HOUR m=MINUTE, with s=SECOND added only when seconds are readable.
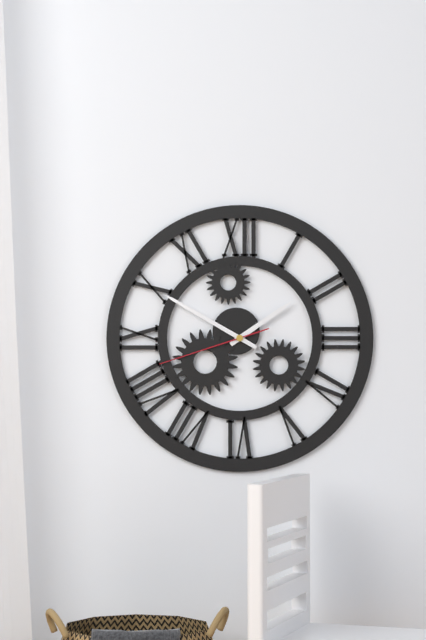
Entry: h=1 m=50 s=42
